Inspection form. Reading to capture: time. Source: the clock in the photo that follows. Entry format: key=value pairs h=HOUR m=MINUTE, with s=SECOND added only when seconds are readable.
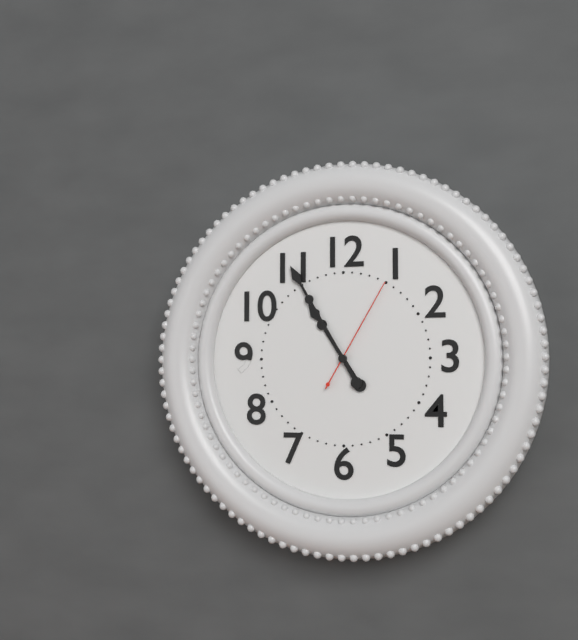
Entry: h=10 m=55 s=5
